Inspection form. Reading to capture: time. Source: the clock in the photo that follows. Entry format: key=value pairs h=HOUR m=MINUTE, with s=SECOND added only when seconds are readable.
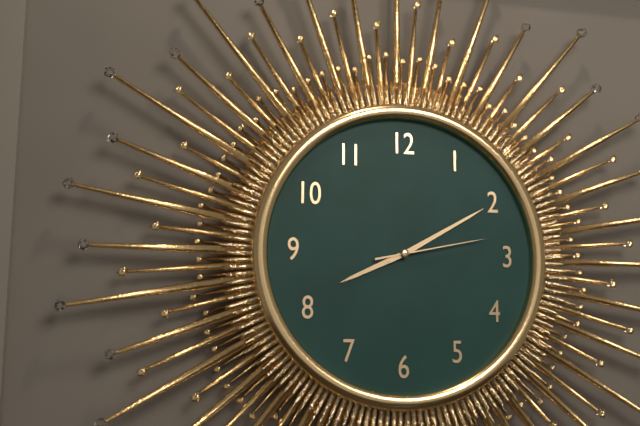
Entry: h=8 m=10 s=13
